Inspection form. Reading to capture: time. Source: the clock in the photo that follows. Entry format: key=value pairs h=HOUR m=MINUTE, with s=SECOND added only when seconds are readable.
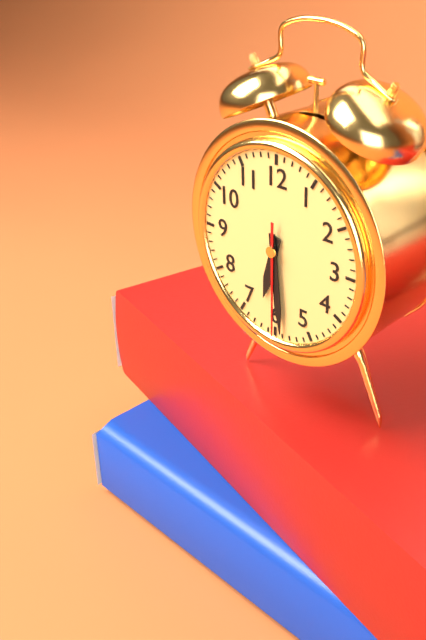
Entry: h=6 m=29 s=30
